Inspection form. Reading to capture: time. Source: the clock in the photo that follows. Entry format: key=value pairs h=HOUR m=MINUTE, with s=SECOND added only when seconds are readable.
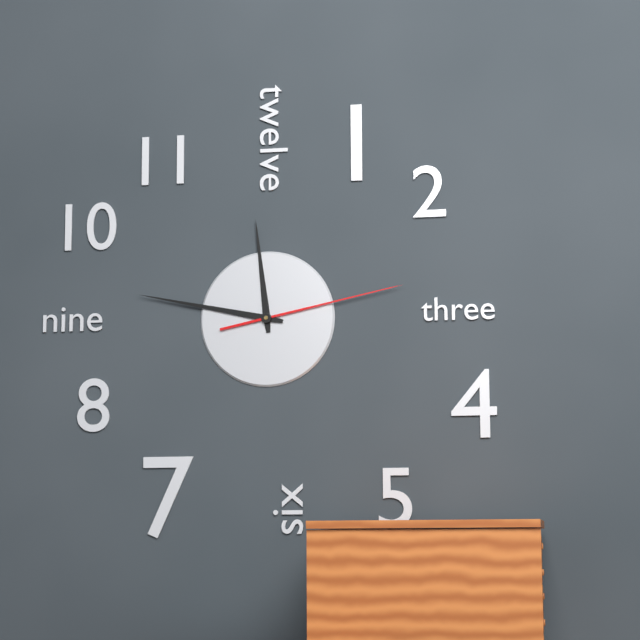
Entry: h=11 m=47 s=13
